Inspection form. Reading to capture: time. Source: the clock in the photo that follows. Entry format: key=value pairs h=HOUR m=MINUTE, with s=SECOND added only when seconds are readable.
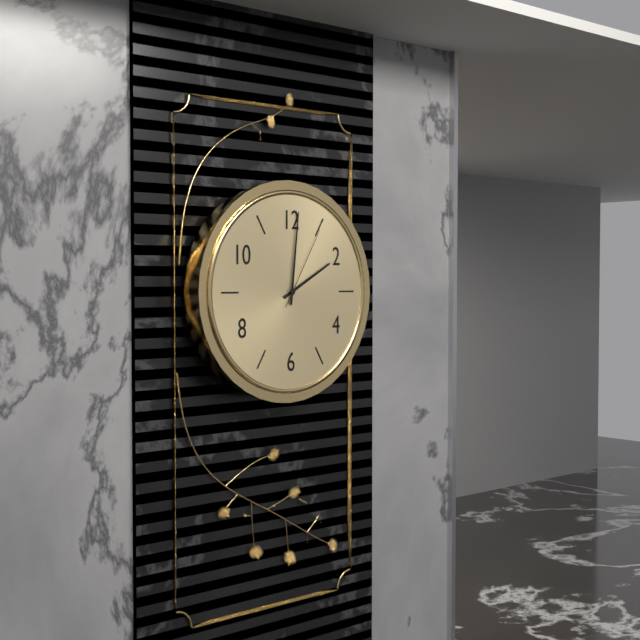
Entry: h=2 m=1 s=5
